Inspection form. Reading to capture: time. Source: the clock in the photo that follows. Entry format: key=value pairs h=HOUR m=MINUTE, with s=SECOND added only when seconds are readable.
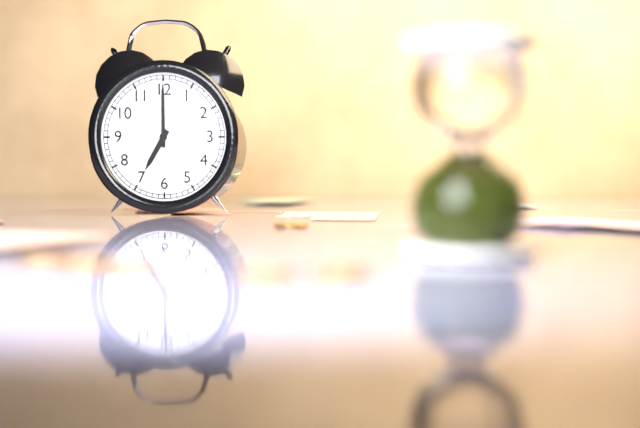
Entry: h=7 m=0
